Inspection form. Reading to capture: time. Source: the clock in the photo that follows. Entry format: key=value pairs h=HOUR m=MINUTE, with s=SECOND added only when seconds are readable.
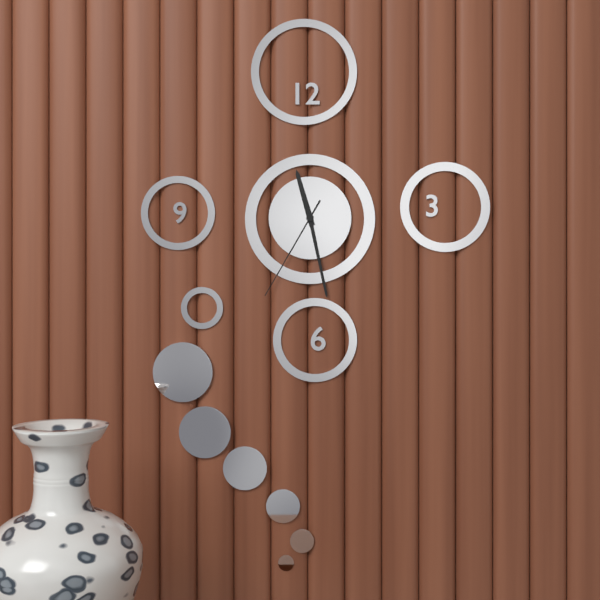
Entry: h=11 m=28 s=35
